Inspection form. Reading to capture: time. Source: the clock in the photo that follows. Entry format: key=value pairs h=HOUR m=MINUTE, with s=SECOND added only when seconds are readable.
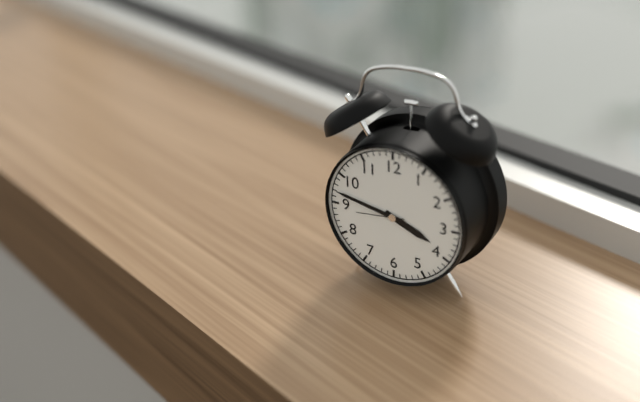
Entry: h=3 m=47 s=44
